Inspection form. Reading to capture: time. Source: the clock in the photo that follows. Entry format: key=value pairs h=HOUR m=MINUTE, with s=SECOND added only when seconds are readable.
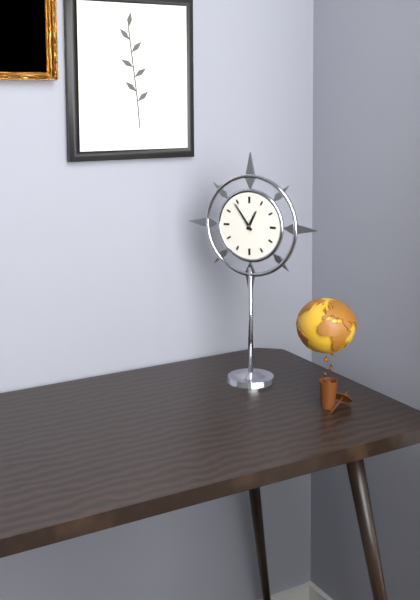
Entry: h=12 m=54
